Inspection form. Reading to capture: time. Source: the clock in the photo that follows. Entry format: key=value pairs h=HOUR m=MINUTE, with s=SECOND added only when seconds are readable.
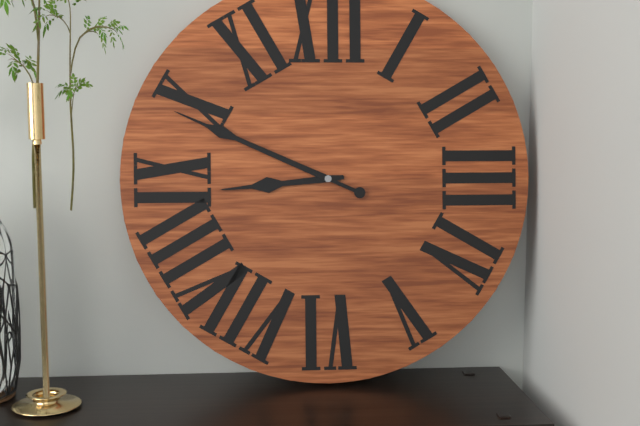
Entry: h=8 m=49
